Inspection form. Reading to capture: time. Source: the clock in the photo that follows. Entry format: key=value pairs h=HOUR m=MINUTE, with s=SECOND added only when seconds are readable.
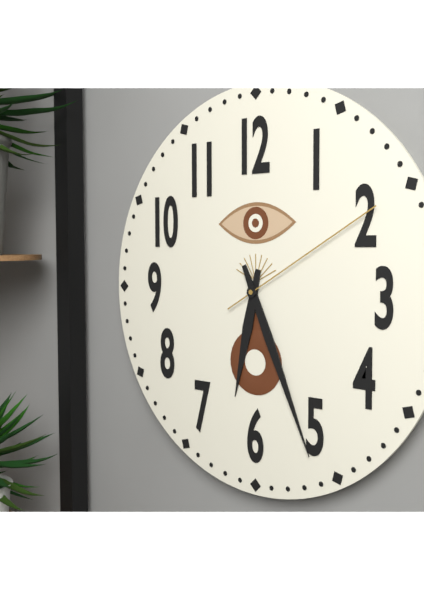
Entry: h=6 m=26 s=10
